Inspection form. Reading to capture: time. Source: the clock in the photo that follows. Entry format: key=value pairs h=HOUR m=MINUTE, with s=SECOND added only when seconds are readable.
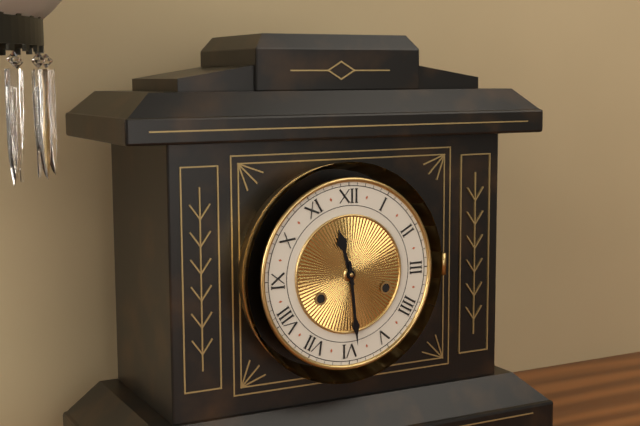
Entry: h=11 m=29
